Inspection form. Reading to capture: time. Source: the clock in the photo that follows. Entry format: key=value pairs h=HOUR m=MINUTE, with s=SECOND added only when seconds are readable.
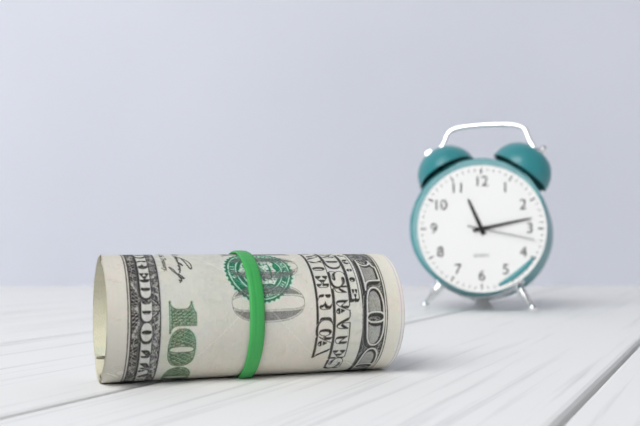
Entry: h=11 m=13 s=17
